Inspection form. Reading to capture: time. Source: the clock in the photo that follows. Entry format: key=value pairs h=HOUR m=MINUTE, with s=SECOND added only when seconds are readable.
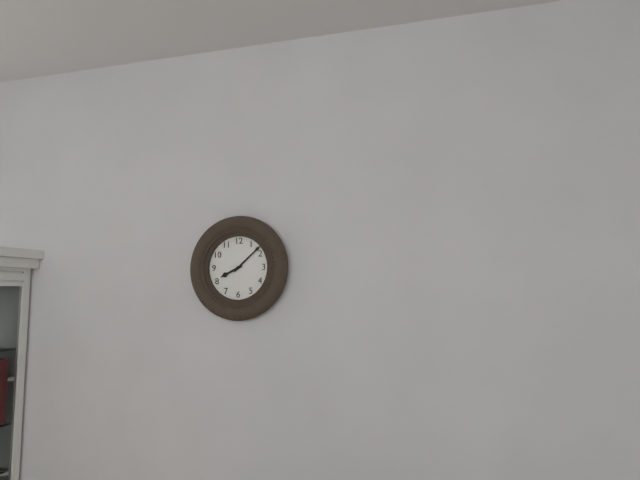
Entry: h=8 m=8
